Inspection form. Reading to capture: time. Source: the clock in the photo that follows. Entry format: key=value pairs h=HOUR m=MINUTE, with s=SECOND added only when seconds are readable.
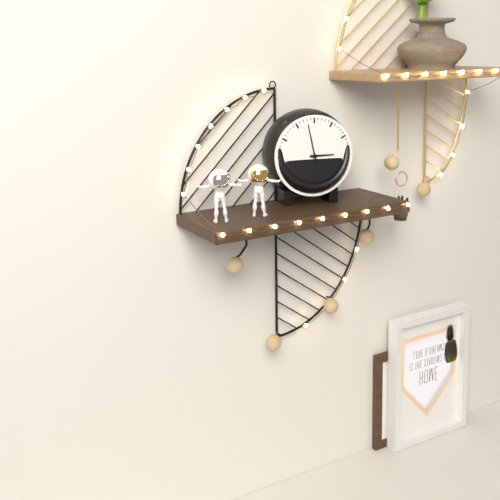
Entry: h=2 m=58
